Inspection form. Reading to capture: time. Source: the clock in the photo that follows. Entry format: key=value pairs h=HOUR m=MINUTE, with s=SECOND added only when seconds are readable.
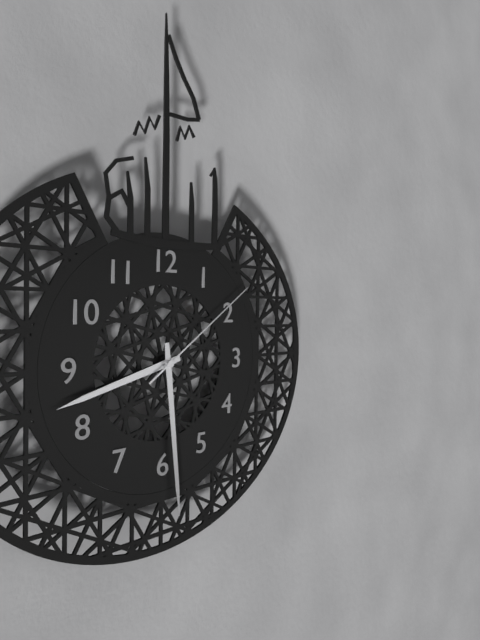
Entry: h=8 m=29 s=9
